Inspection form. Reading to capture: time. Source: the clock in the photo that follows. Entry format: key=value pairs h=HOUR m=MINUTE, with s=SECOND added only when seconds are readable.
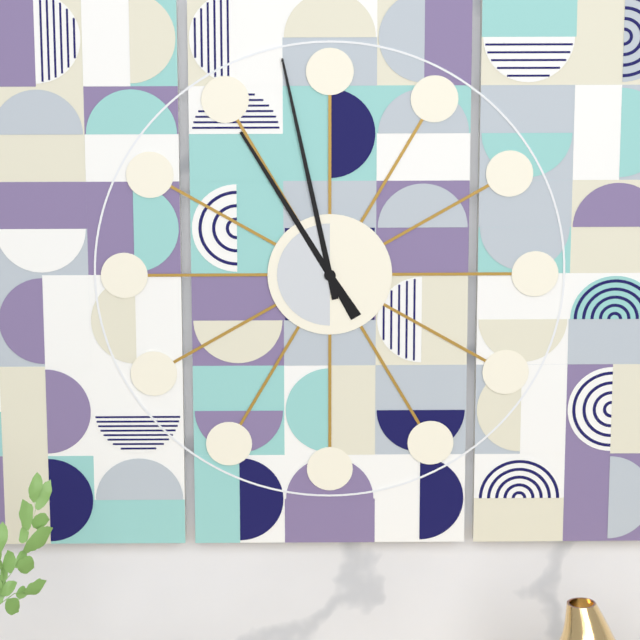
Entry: h=10 m=58
